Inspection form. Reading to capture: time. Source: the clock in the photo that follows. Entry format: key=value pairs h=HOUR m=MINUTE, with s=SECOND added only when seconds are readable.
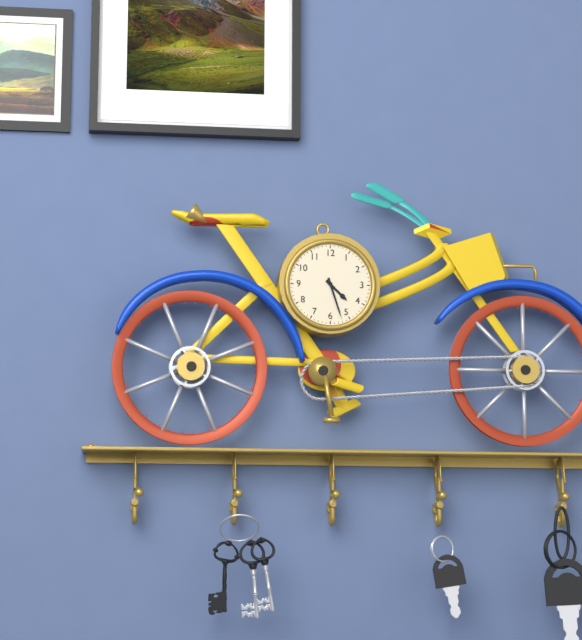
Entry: h=4 m=27
